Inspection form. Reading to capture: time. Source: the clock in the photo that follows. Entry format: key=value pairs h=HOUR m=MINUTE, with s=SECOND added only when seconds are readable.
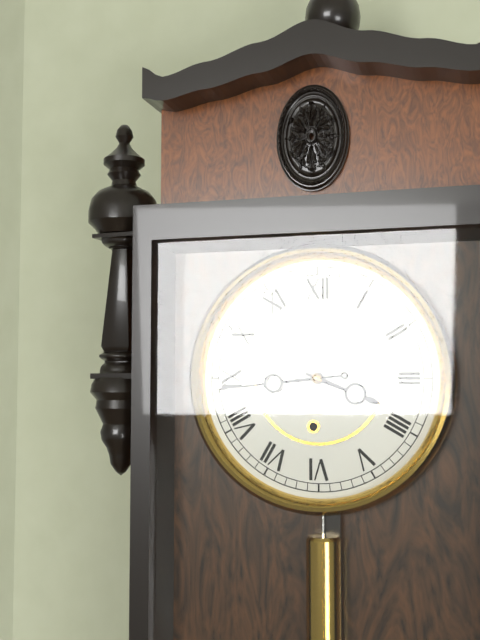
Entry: h=3 m=44
